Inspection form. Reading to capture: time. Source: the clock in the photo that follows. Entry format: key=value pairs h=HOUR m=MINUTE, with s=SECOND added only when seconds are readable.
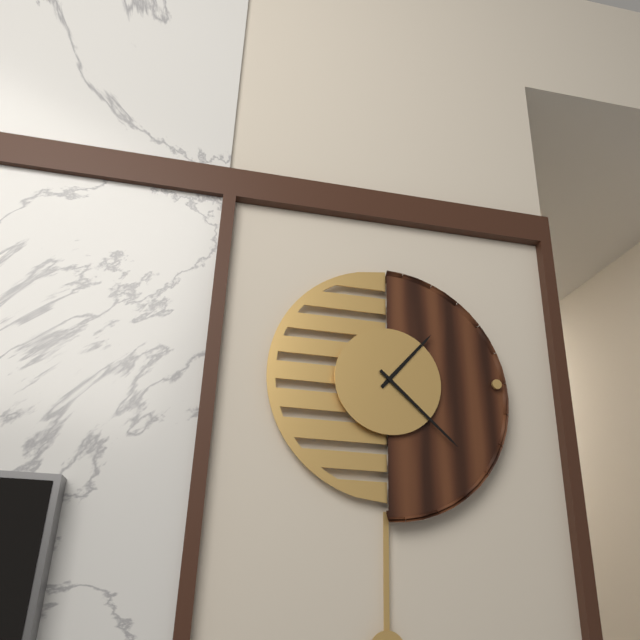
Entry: h=1 m=22
